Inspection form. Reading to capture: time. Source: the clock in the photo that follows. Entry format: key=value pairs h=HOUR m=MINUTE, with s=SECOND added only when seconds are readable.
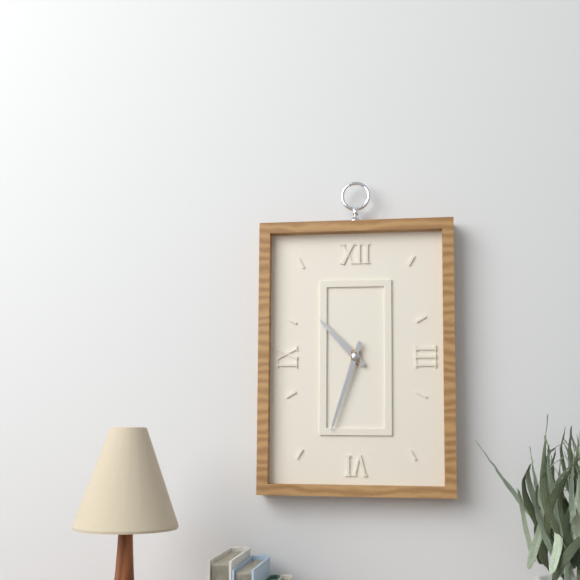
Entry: h=10 m=33
